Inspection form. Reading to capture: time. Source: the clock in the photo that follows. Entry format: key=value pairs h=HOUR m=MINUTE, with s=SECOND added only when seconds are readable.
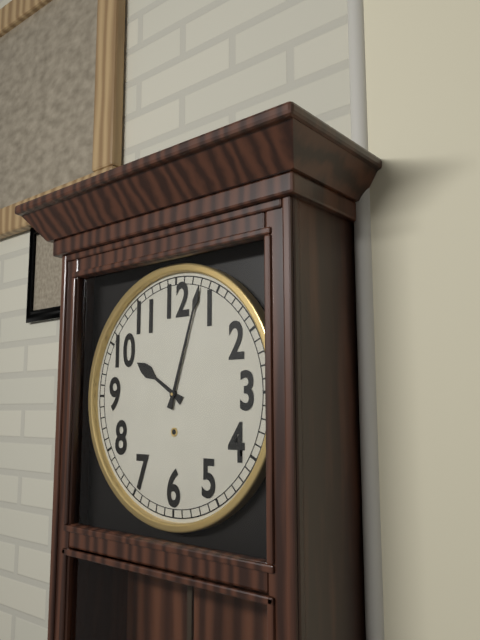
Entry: h=10 m=3
